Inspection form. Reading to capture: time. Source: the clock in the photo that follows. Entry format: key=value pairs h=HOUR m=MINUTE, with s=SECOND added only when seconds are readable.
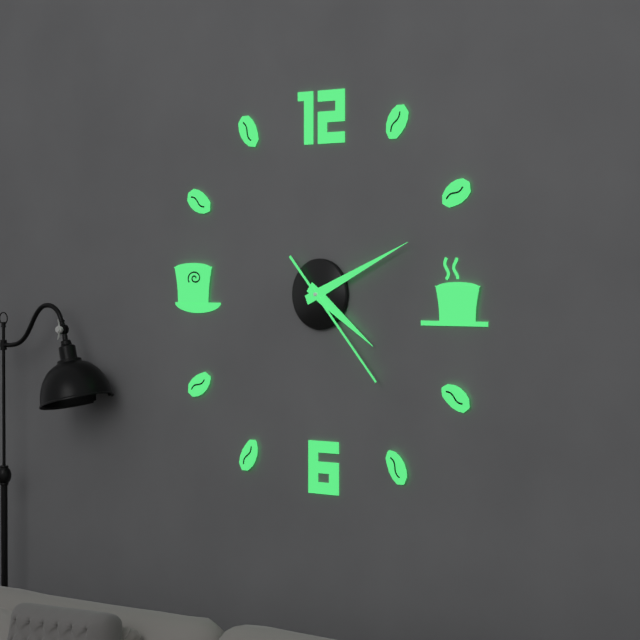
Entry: h=4 m=11 s=23
